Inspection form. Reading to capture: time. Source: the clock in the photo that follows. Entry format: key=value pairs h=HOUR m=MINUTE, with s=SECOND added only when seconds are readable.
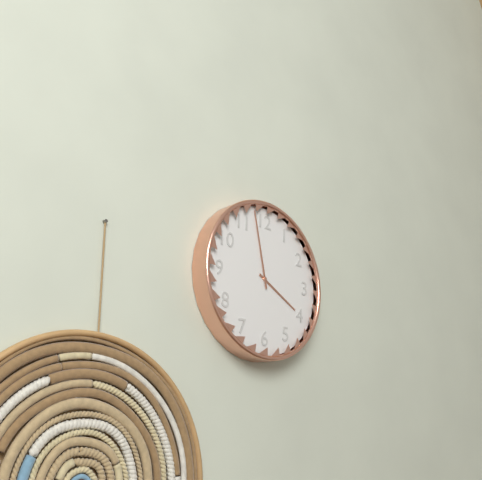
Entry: h=3 m=58
